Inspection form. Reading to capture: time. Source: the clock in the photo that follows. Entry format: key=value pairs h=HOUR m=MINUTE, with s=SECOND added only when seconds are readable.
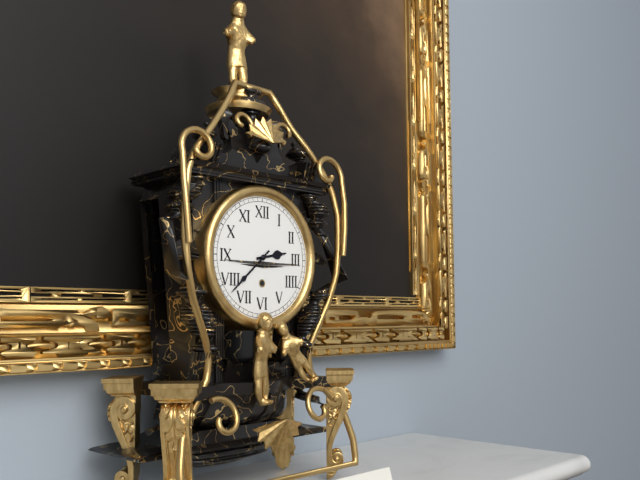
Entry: h=2 m=38
